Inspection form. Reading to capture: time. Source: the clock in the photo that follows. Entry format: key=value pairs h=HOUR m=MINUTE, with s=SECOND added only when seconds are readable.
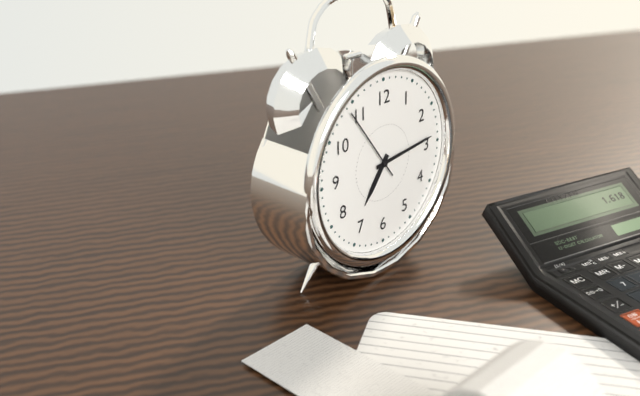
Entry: h=7 m=14 s=54
